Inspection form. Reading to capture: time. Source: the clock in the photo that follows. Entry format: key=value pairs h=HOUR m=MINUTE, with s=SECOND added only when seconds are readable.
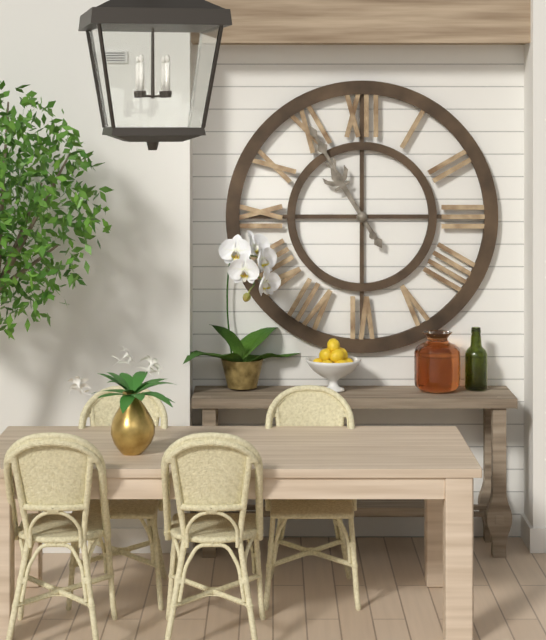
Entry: h=10 m=55
